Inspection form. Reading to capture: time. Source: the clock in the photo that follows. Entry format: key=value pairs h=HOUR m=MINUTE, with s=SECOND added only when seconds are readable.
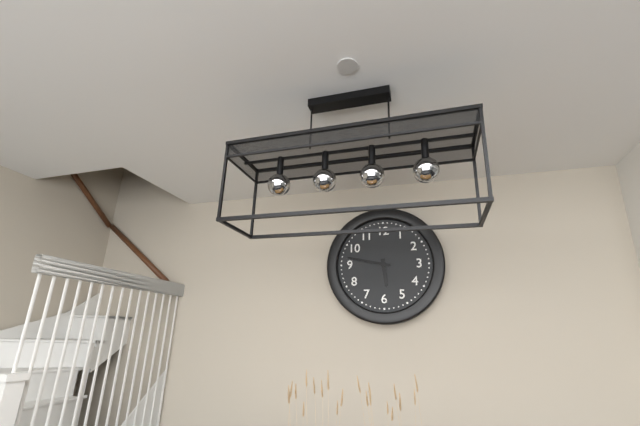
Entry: h=5 m=47
